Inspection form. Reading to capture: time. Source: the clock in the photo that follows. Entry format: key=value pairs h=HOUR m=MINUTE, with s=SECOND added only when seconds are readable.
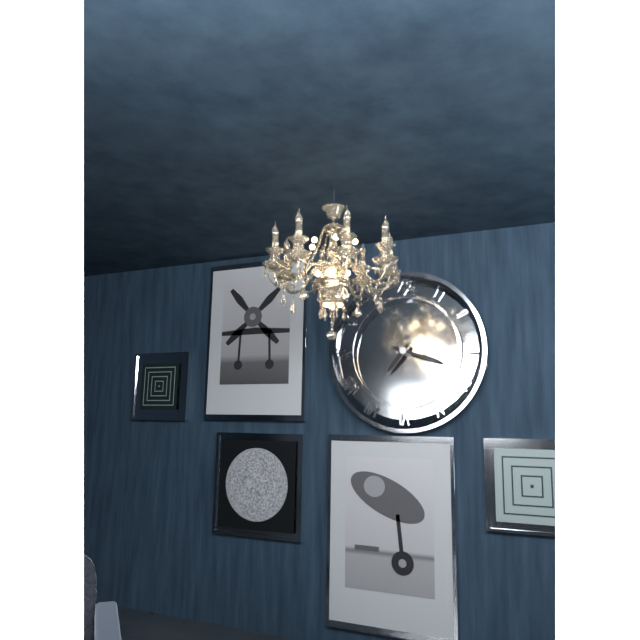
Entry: h=7 m=18
